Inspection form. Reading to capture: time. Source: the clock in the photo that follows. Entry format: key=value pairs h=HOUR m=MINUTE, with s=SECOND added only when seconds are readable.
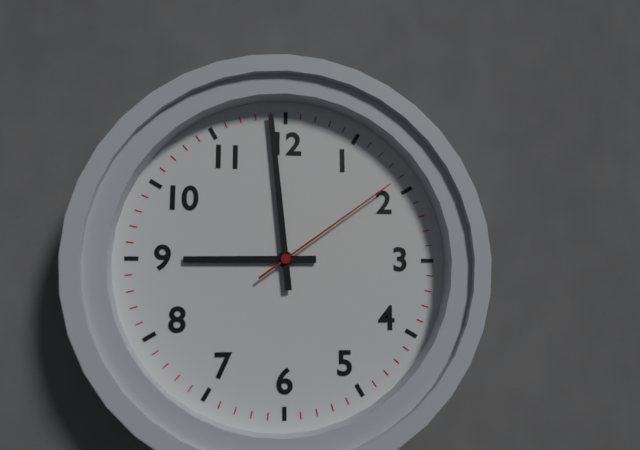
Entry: h=8 m=59 s=9
